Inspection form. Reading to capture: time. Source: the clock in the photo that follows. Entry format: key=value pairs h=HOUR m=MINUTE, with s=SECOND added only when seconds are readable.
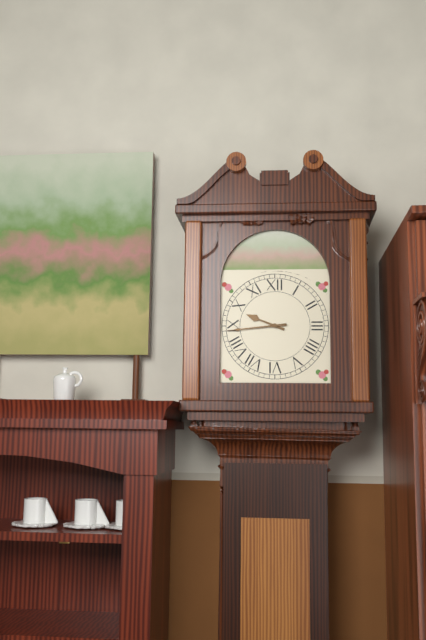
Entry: h=9 m=44
